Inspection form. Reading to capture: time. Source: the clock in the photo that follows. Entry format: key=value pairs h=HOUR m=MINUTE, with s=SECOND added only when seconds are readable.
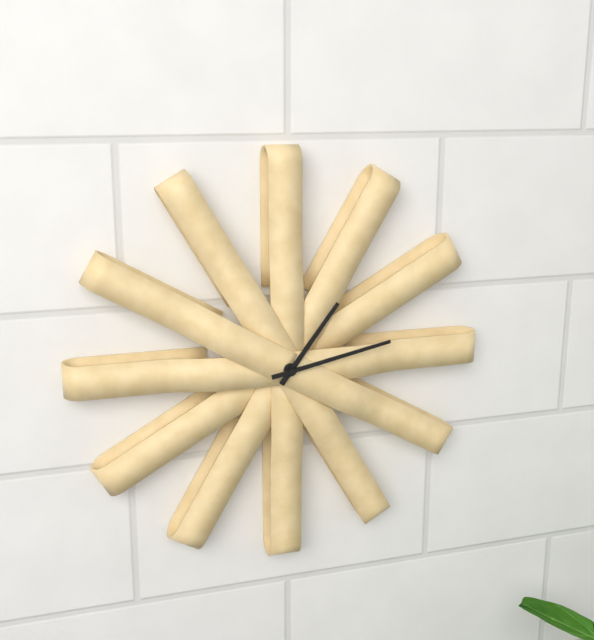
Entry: h=1 m=13
